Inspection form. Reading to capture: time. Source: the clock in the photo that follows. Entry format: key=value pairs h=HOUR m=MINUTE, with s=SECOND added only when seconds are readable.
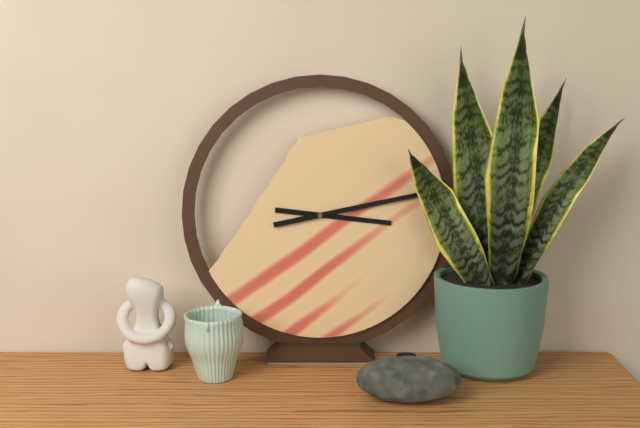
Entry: h=3 m=13
